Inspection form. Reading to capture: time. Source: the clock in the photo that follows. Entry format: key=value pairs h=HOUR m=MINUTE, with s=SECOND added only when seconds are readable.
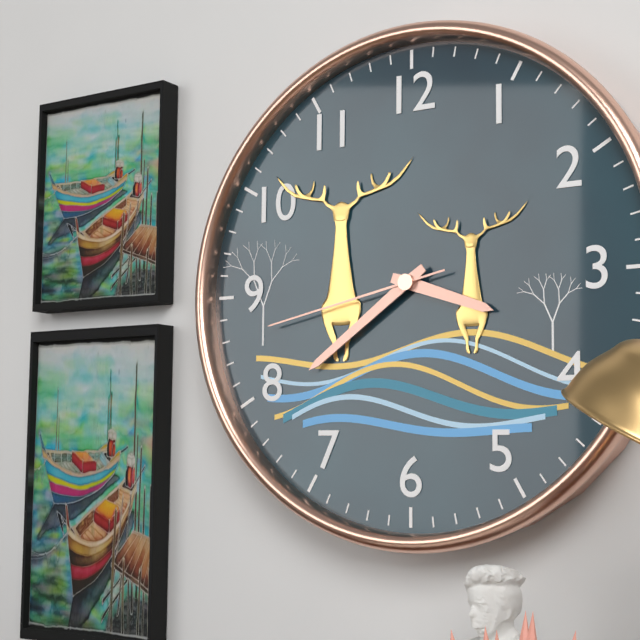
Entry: h=3 m=39 s=43
